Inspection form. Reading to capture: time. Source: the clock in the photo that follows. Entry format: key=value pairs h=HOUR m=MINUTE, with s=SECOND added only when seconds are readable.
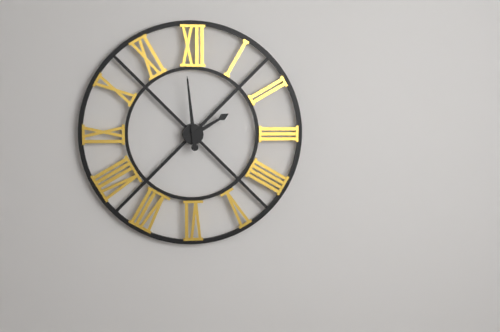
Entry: h=1 m=59
